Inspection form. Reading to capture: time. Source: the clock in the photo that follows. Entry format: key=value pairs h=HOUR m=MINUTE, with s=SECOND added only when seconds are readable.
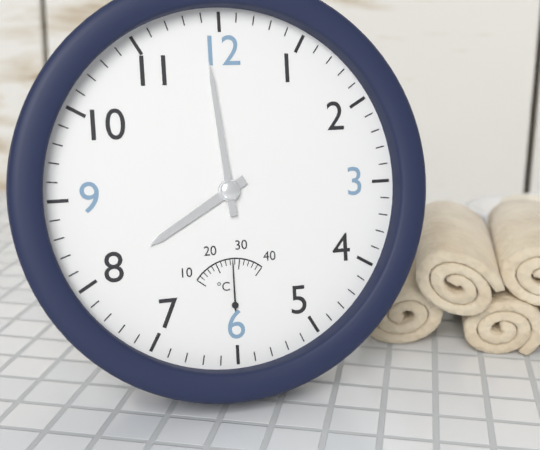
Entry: h=7 m=59
